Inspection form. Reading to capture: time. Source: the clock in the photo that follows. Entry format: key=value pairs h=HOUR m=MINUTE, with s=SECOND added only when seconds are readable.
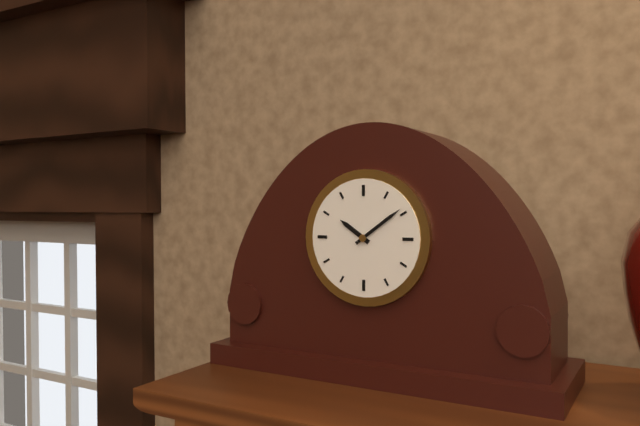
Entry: h=10 m=9
